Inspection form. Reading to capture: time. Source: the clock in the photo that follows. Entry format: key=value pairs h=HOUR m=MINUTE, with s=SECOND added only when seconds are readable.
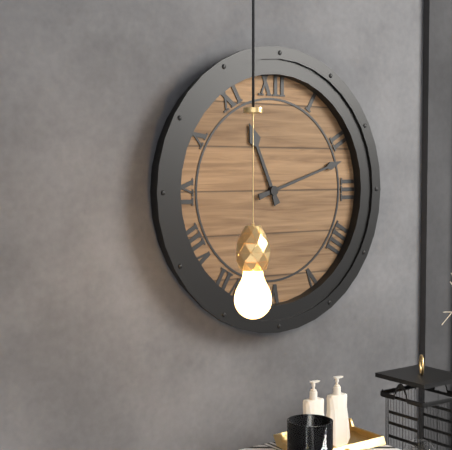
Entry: h=11 m=12
